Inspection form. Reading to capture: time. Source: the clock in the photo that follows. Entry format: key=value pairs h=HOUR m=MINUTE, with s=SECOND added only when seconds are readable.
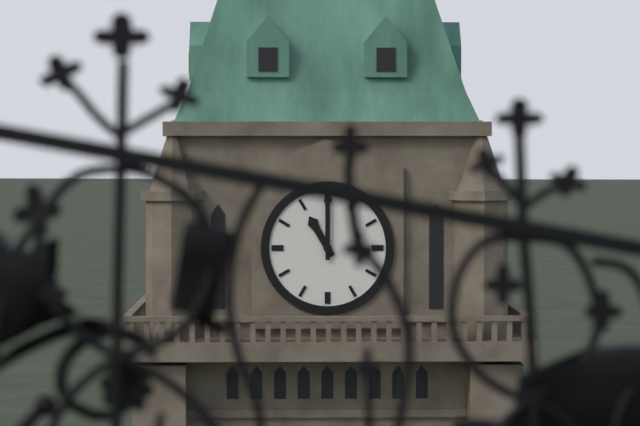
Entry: h=11 m=0
